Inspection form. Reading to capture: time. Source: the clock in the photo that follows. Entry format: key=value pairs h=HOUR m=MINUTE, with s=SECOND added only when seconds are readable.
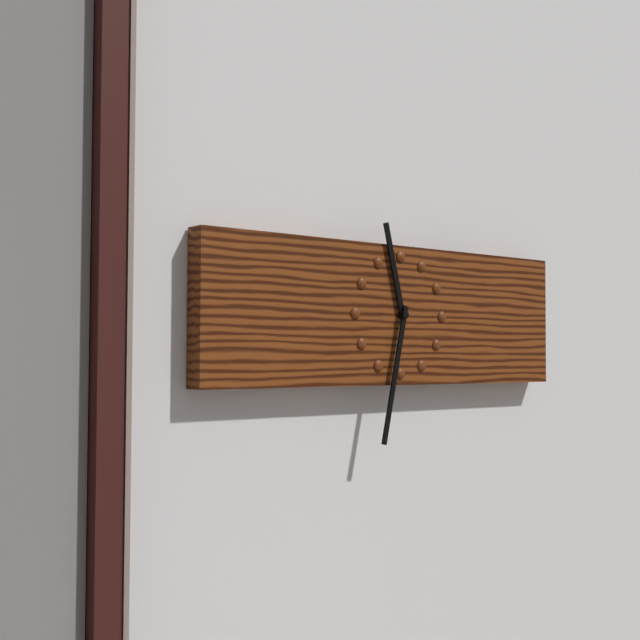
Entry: h=11 m=32
